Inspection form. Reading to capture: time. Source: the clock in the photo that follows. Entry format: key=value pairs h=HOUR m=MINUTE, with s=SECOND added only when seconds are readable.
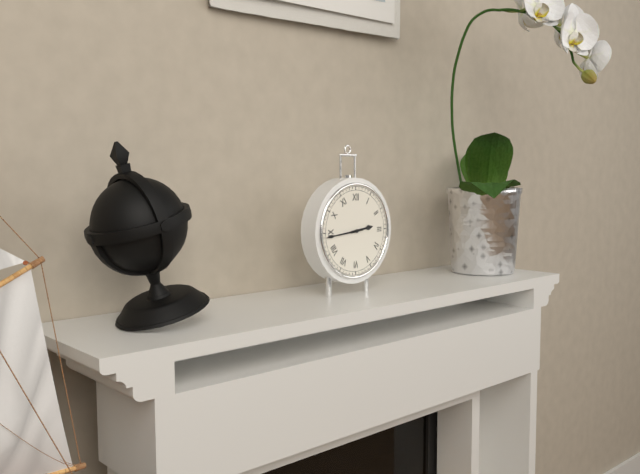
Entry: h=2 m=44
